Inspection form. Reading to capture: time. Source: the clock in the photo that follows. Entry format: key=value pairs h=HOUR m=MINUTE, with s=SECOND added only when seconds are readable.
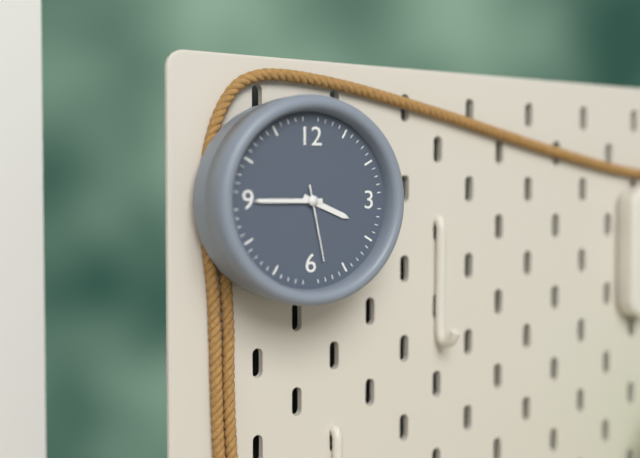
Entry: h=3 m=45 s=28
